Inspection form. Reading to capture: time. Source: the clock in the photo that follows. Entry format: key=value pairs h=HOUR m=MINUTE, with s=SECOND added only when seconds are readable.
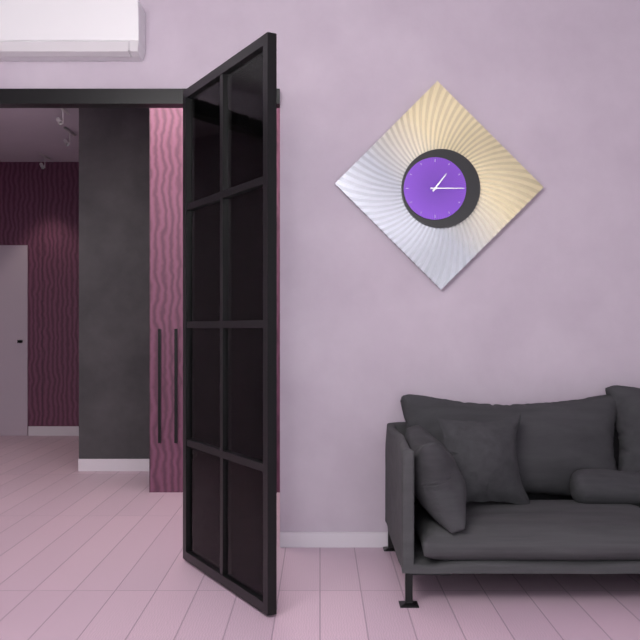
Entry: h=1 m=15
